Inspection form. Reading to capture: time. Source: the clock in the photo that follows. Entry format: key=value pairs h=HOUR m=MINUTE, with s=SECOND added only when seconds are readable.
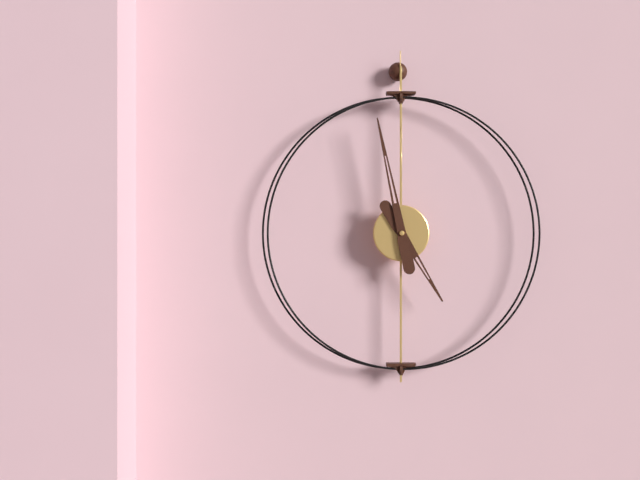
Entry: h=4 m=58
